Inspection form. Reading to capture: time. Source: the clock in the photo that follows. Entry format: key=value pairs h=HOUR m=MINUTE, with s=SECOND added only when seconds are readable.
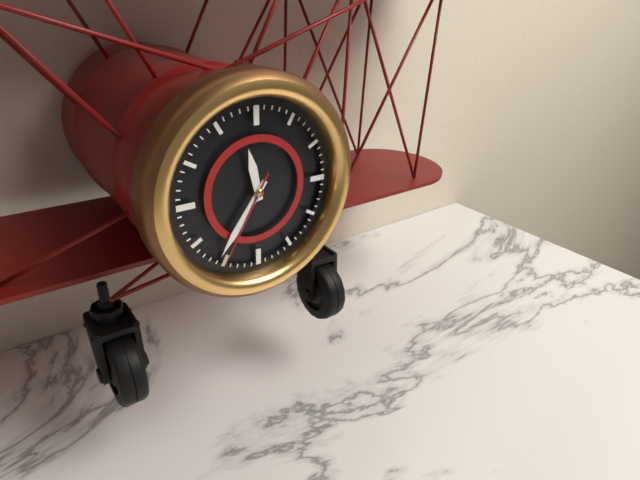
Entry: h=11 m=36 s=35
